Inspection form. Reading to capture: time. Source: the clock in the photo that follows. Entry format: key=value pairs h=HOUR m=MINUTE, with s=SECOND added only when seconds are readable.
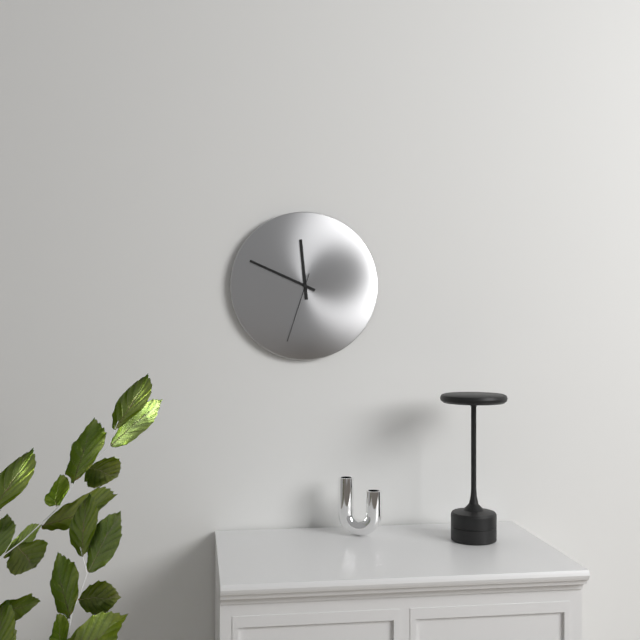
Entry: h=11 m=49 s=33
